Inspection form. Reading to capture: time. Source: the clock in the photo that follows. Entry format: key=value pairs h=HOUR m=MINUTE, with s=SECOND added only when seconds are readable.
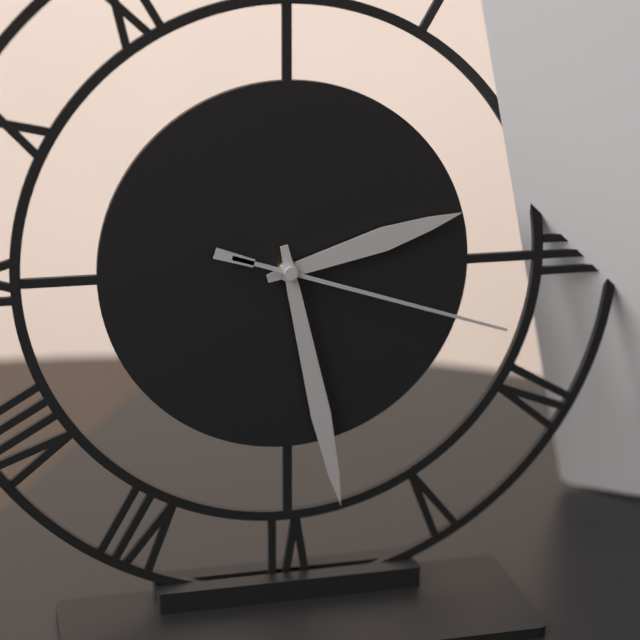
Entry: h=2 m=28 s=18
